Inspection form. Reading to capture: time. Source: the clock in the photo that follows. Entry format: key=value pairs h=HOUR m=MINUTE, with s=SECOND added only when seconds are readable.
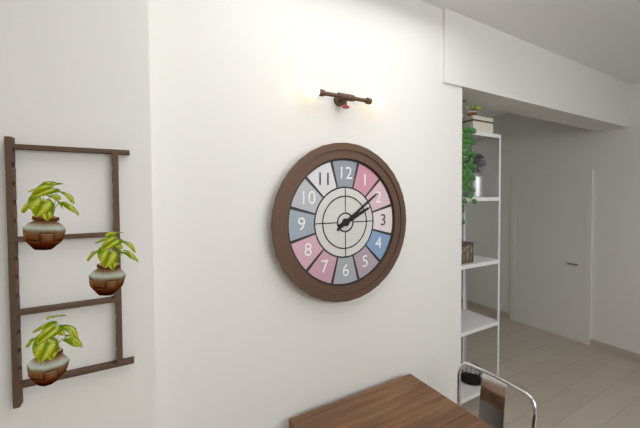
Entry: h=2 m=9
